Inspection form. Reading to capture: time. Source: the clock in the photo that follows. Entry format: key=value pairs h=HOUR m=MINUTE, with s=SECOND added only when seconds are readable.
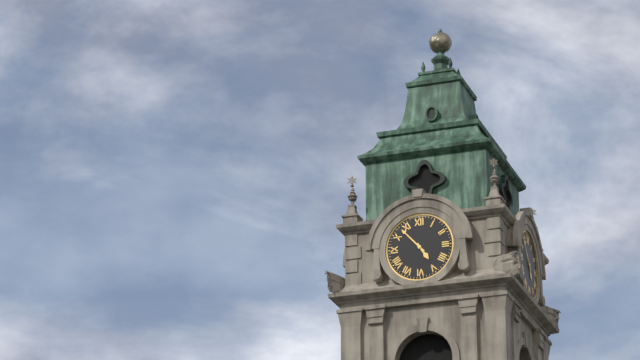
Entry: h=4 m=53
